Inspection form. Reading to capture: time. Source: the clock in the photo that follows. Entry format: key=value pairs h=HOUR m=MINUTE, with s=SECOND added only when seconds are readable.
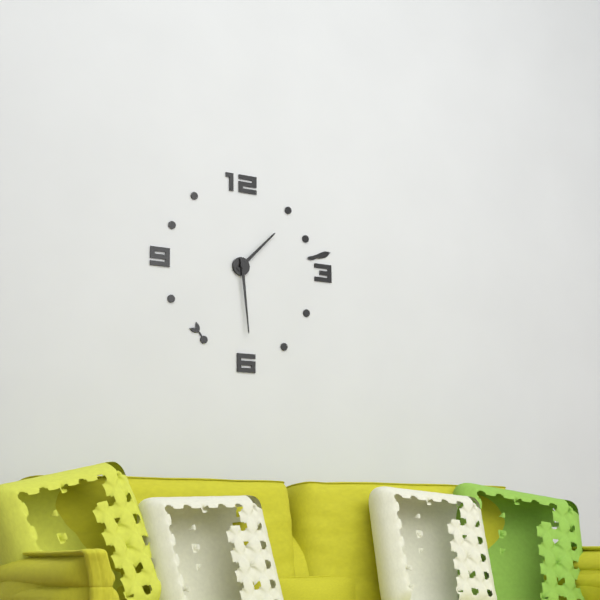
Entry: h=1 m=29
